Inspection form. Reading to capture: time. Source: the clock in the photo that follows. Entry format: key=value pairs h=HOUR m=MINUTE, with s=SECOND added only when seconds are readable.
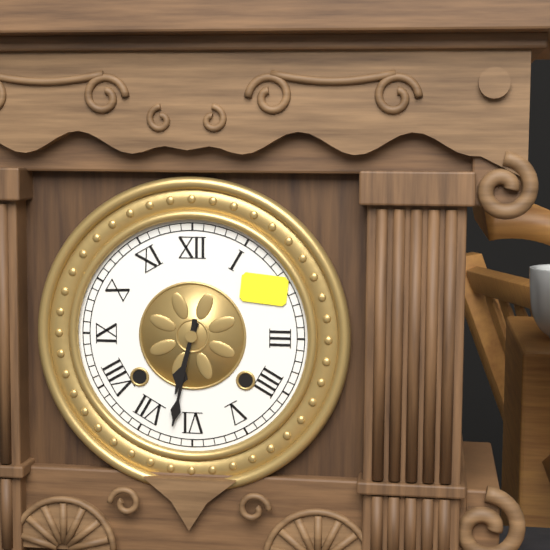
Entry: h=6 m=32
